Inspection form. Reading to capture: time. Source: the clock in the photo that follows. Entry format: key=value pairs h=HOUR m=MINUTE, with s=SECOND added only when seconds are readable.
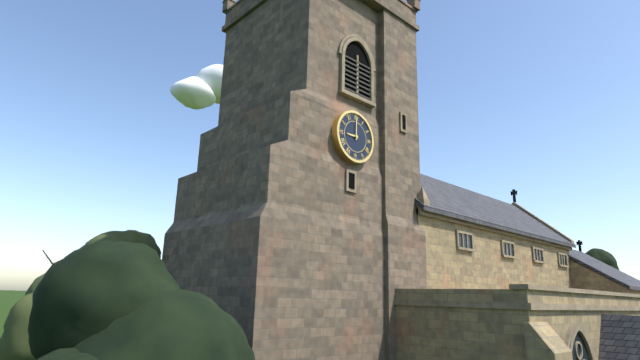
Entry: h=9 m=0
